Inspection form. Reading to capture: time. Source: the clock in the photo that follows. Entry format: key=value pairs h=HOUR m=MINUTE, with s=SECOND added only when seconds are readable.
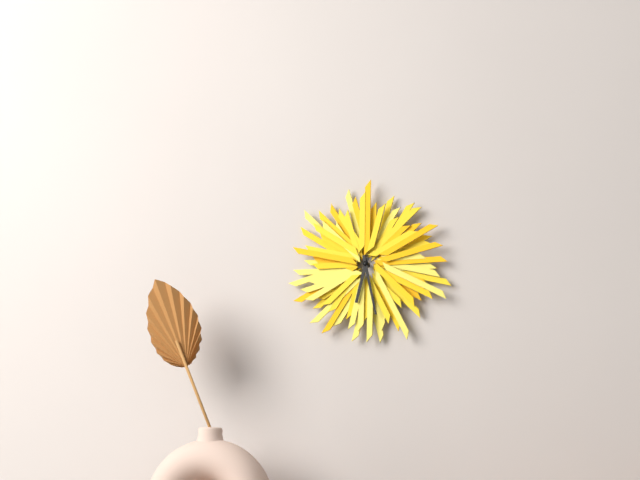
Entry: h=6 m=28
